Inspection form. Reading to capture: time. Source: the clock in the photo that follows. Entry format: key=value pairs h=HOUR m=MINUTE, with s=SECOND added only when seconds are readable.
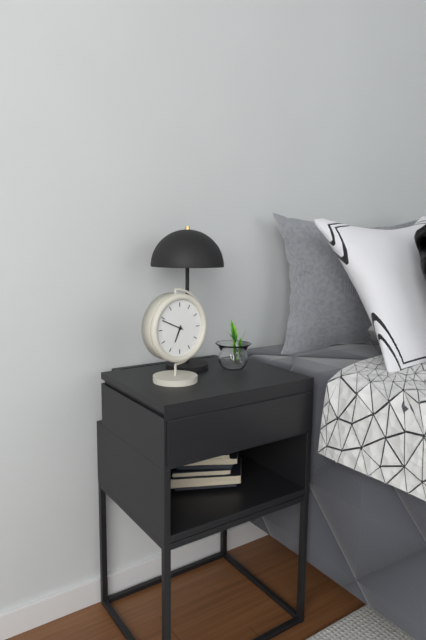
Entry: h=6 m=49
